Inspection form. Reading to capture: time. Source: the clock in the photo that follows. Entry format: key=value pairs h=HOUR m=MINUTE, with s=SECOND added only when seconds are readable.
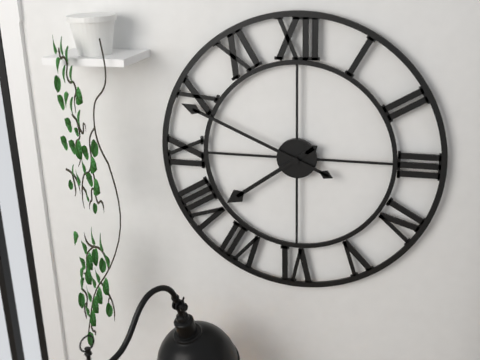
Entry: h=7 m=49
